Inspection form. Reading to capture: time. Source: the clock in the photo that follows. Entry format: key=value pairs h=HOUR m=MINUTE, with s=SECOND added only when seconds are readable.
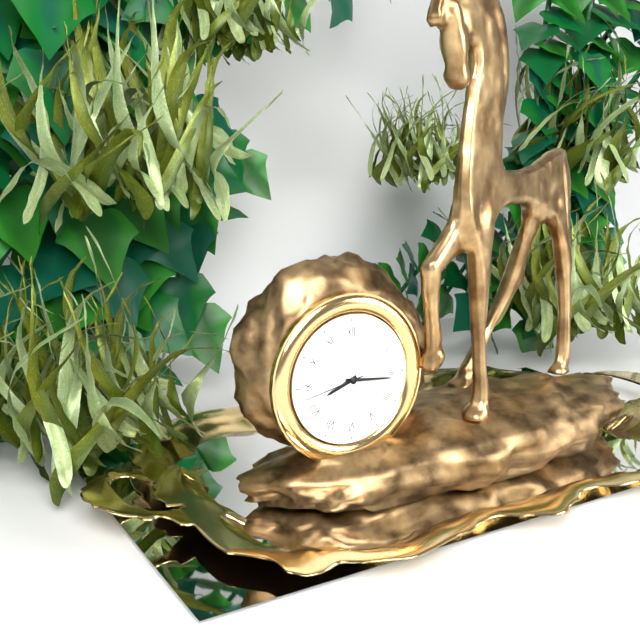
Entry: h=8 m=16 s=43
